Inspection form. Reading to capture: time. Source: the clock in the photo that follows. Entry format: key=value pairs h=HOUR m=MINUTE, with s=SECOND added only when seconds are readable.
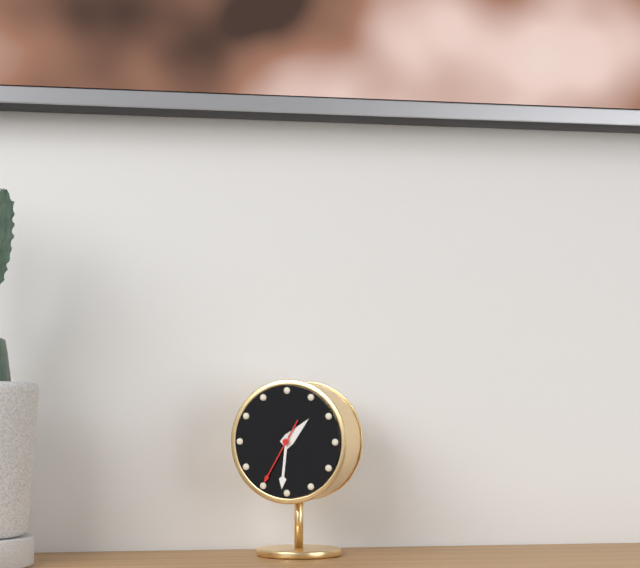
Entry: h=1 m=31 s=35
